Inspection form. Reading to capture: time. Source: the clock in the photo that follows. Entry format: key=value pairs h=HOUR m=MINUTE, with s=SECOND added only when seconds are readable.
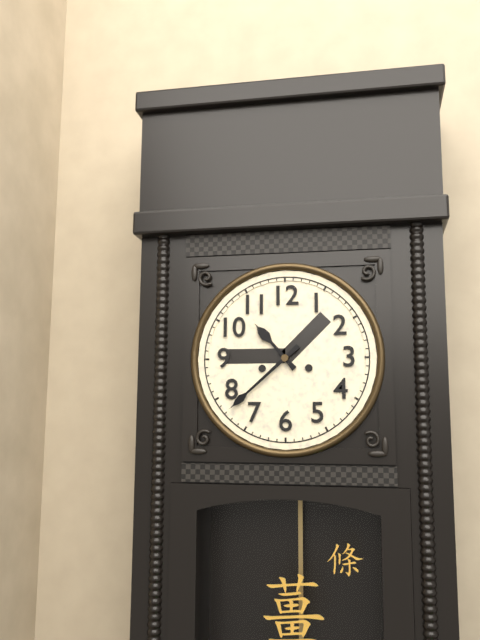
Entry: h=10 m=38
